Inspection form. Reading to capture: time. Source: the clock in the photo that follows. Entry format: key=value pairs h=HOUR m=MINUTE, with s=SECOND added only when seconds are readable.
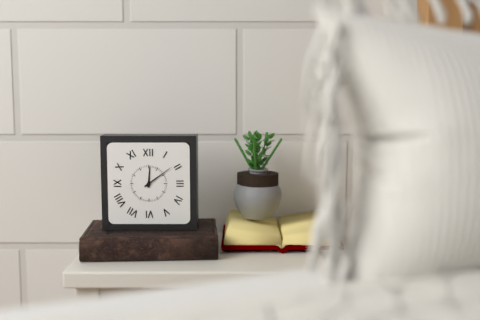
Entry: h=12 m=9
